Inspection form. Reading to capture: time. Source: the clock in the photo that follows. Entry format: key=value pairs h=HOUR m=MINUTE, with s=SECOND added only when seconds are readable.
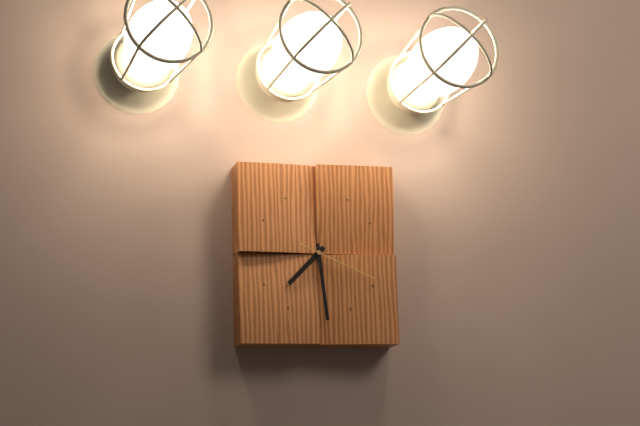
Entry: h=7 m=29 s=19
